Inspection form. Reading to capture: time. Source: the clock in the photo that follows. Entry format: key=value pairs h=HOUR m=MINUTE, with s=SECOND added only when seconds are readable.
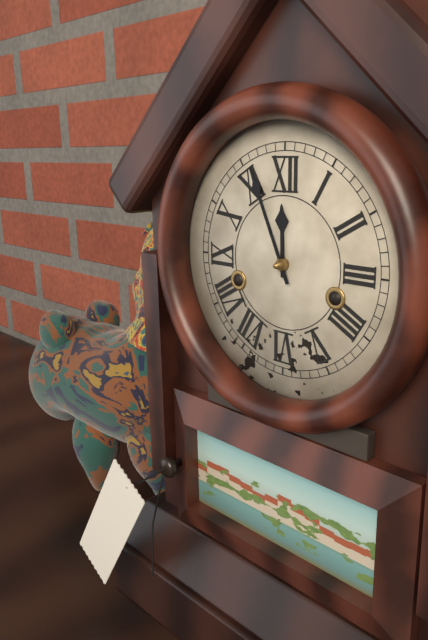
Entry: h=11 m=56
